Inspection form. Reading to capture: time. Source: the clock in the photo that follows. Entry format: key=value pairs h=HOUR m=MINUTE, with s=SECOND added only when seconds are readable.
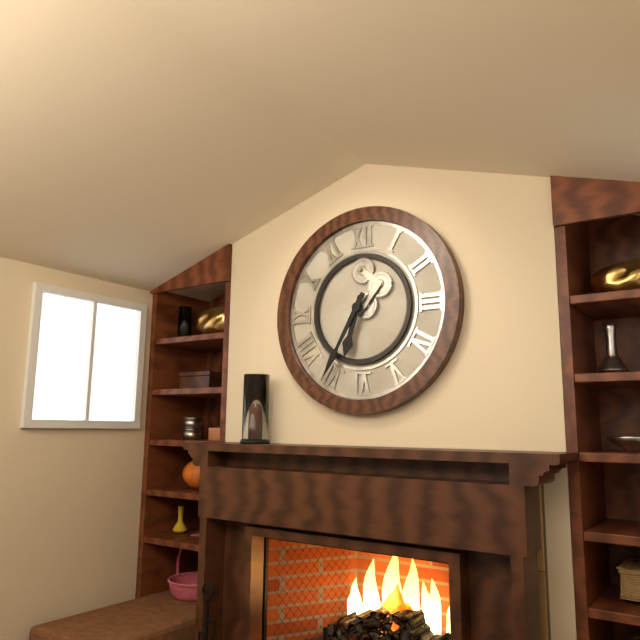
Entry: h=6 m=35
